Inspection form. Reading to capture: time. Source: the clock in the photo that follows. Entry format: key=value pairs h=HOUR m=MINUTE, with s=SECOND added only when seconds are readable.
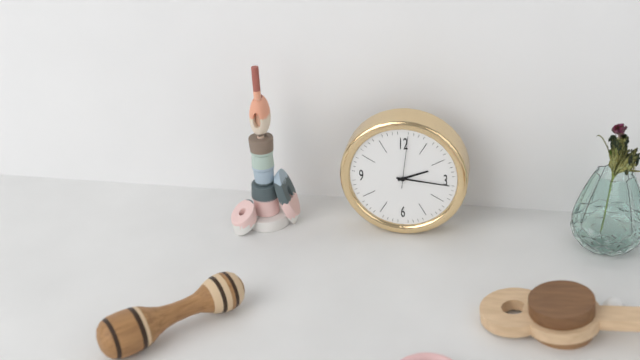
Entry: h=2 m=16 s=1
